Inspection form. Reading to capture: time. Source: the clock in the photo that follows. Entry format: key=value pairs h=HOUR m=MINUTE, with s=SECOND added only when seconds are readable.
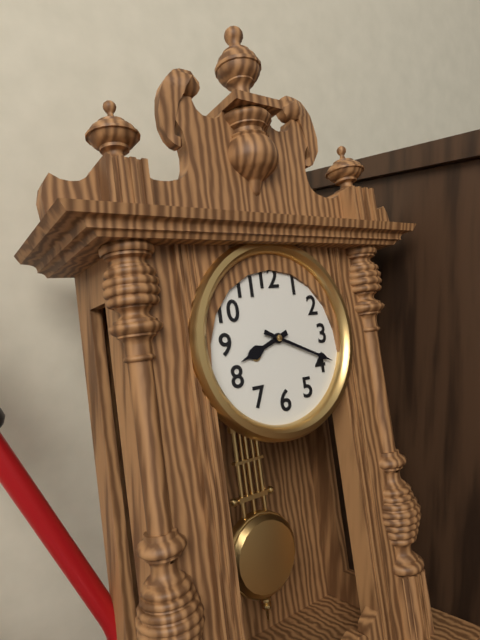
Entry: h=8 m=19
